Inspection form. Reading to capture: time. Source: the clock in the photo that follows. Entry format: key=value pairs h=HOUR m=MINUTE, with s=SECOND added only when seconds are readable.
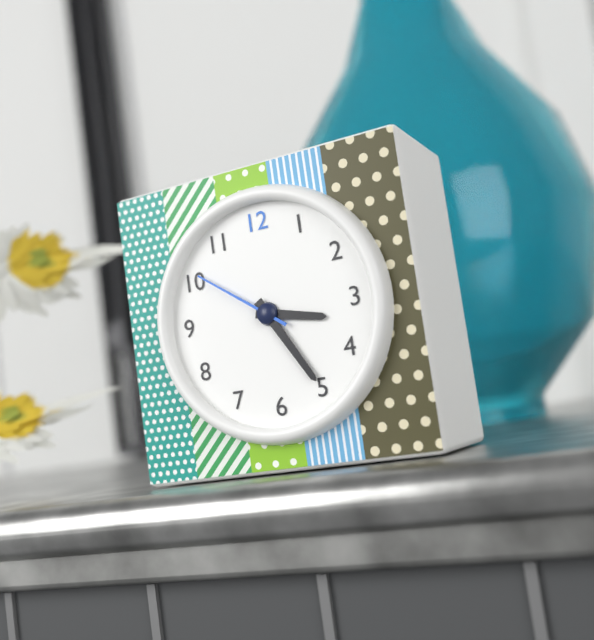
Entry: h=3 m=25 s=51
